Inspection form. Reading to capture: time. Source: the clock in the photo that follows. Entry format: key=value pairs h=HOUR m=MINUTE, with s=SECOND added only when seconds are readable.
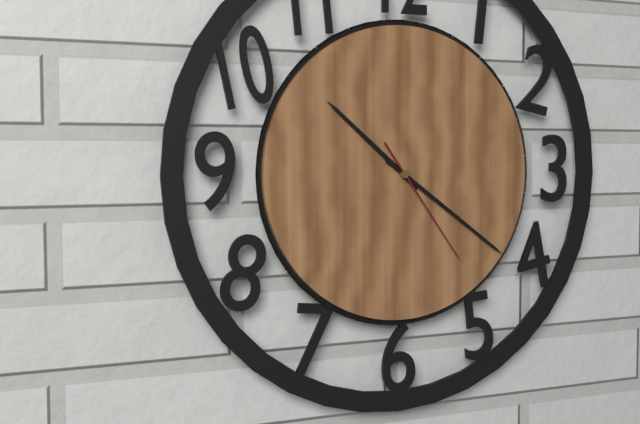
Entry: h=10 m=21 s=24
